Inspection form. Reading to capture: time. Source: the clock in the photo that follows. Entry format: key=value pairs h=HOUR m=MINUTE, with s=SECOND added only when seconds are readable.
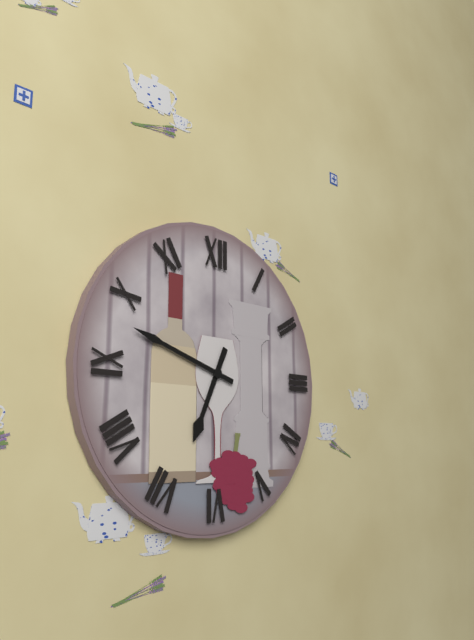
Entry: h=6 m=48
